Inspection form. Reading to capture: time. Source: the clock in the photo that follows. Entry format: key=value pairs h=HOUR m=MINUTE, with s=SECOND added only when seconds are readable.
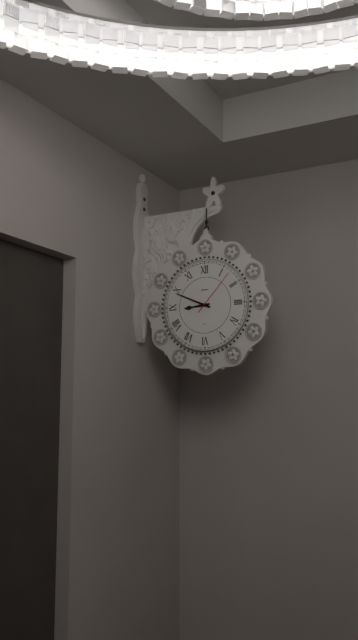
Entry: h=8 m=49 s=7
